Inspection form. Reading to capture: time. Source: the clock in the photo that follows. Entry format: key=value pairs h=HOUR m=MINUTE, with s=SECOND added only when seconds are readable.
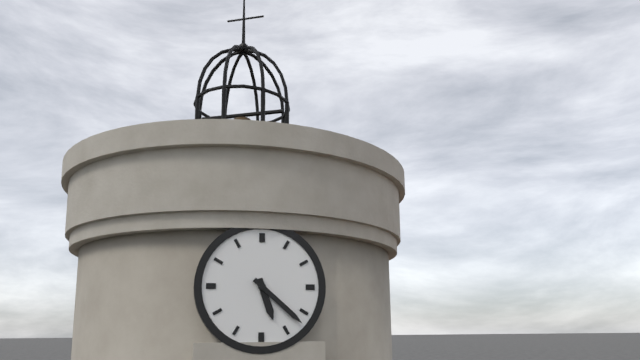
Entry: h=5 m=22
